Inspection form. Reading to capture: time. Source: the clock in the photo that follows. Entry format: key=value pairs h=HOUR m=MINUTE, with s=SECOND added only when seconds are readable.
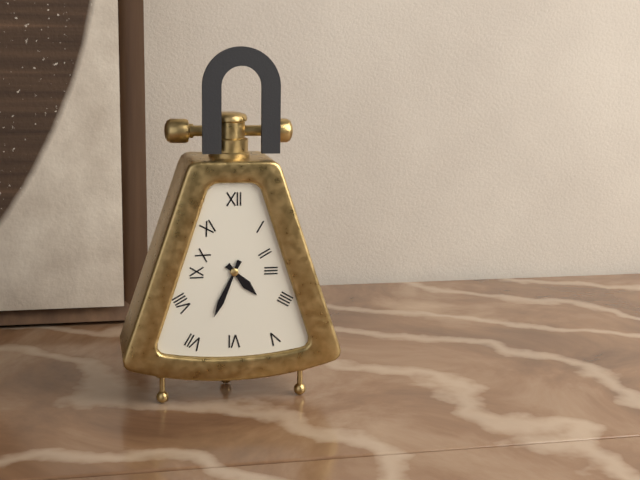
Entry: h=4 m=34
